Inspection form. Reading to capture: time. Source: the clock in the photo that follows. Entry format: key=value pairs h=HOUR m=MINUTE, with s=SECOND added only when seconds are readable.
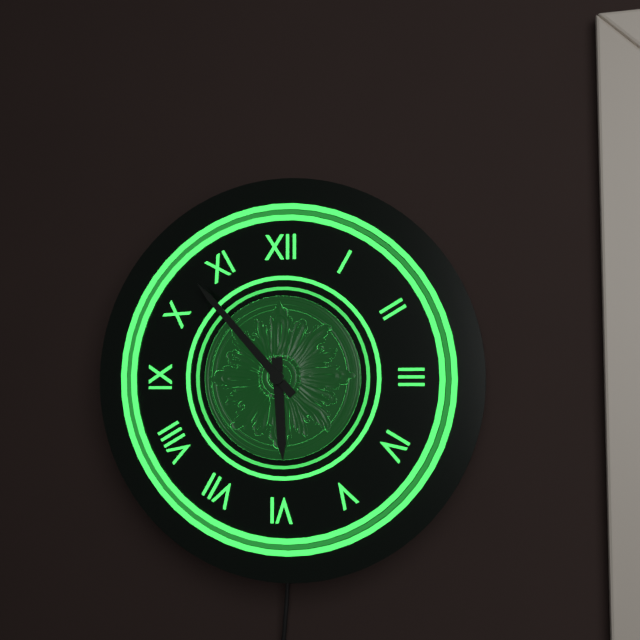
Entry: h=5 m=53
